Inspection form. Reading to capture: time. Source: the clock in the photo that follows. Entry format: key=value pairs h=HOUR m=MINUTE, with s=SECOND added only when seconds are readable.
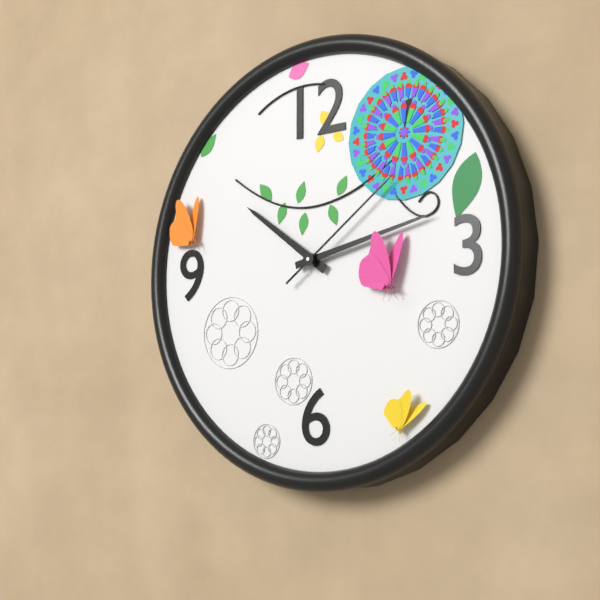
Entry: h=10 m=13 s=9
